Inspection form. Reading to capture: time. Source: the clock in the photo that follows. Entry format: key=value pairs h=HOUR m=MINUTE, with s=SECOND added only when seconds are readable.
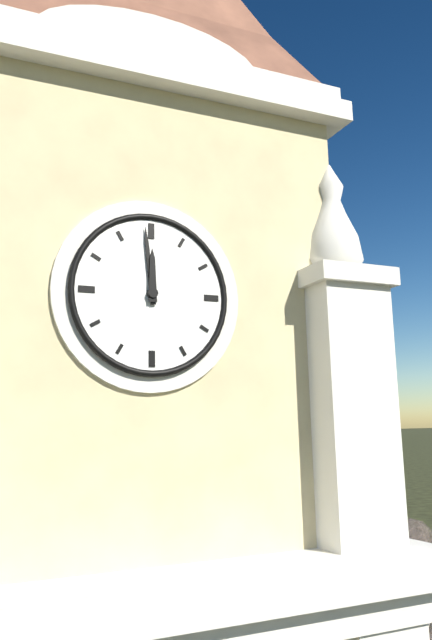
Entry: h=11 m=59
